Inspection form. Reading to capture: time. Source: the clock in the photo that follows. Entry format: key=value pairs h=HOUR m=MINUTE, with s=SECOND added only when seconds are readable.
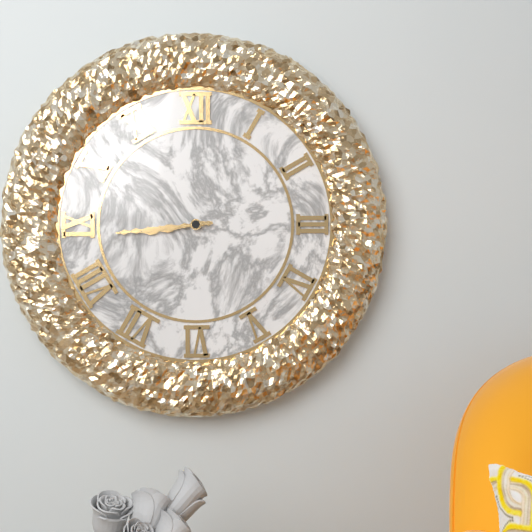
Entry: h=8 m=44
